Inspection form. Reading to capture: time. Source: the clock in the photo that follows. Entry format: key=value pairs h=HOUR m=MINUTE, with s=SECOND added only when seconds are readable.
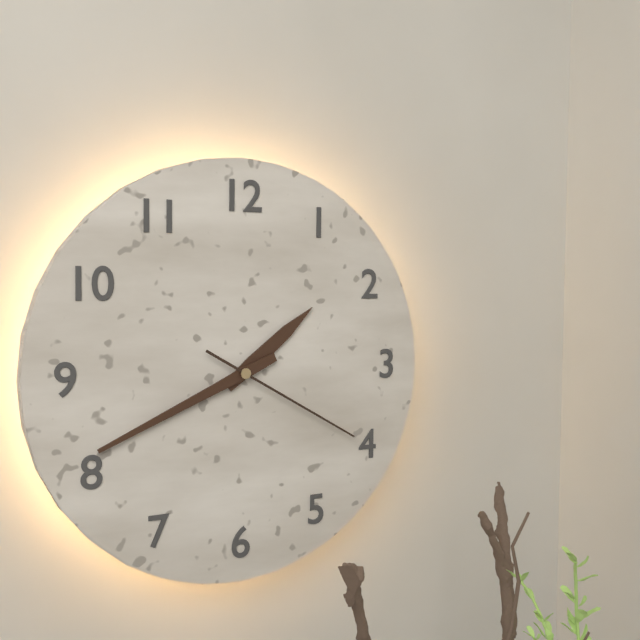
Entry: h=1 m=41 s=20
